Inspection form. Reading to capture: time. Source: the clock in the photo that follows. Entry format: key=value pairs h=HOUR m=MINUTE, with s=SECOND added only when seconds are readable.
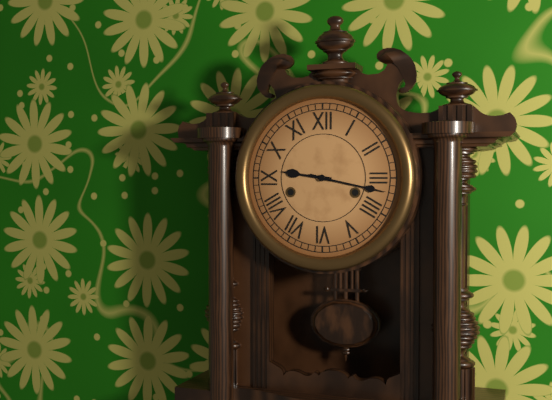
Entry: h=9 m=17
